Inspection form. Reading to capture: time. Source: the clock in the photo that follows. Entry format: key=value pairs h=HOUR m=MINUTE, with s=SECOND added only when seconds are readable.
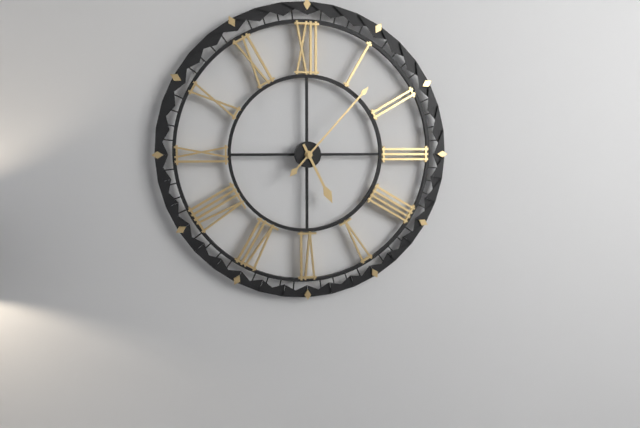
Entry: h=5 m=7
